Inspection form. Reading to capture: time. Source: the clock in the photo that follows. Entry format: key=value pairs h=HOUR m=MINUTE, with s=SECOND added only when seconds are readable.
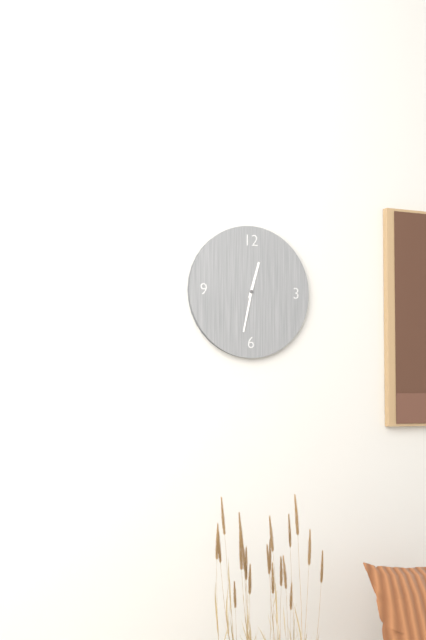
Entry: h=12 m=32
